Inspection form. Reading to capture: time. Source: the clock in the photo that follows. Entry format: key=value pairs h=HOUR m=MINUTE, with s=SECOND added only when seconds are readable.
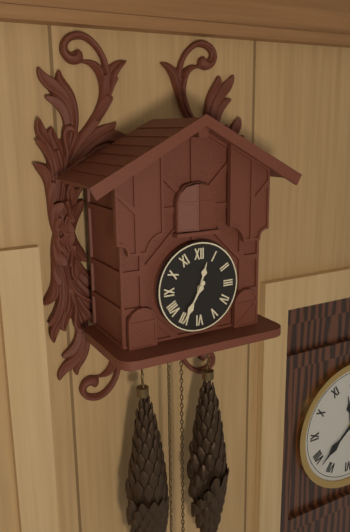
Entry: h=12 m=35
